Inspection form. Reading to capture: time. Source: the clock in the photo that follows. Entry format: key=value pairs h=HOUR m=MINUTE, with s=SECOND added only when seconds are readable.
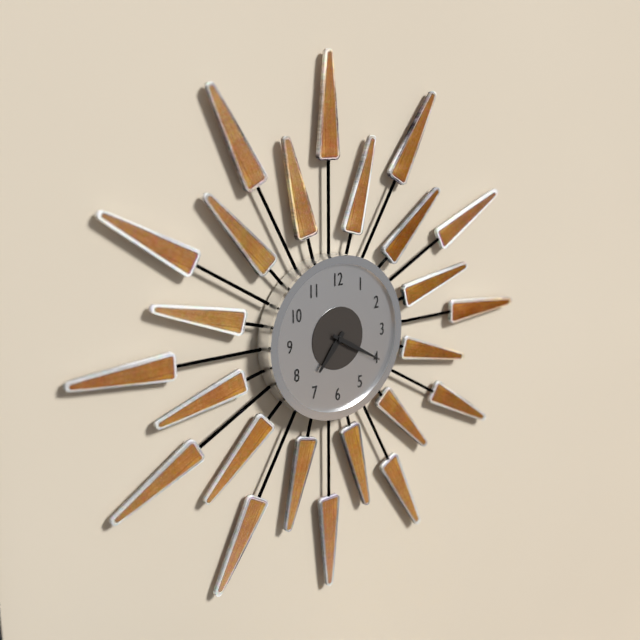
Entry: h=7 m=20
